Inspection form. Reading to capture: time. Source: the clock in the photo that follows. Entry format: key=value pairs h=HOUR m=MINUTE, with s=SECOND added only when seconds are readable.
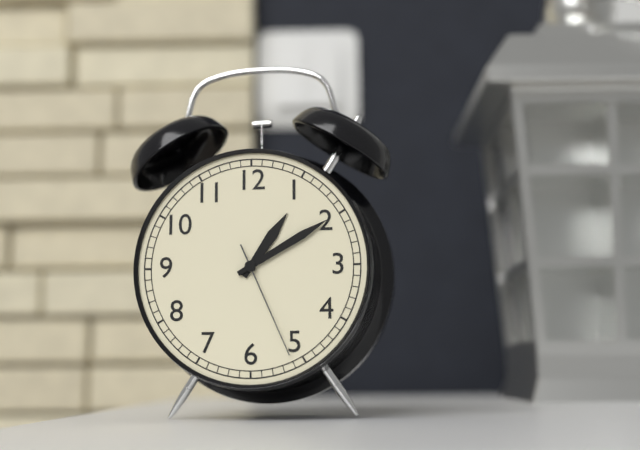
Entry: h=1 m=10 s=26
